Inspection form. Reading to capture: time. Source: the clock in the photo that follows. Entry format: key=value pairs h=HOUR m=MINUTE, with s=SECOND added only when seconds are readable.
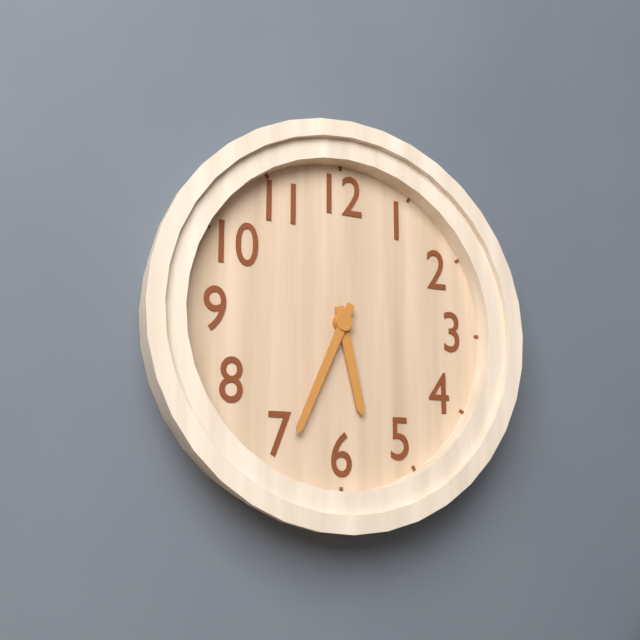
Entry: h=5 m=34
